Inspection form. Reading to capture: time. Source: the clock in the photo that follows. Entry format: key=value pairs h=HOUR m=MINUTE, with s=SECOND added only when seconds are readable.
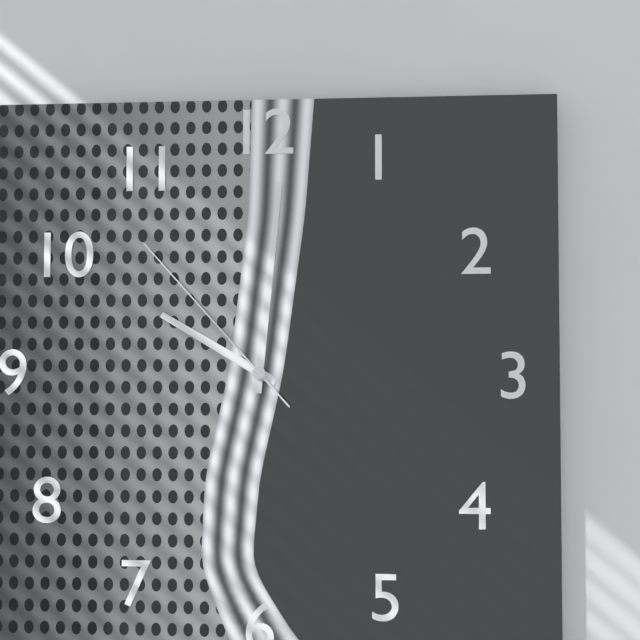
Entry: h=10 m=1 s=53
